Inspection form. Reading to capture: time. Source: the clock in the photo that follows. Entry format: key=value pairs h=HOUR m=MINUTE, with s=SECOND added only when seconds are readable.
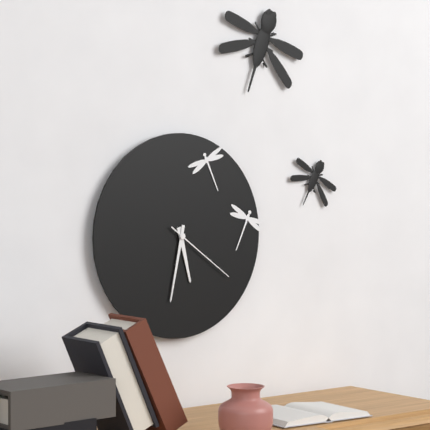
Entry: h=5 m=32 s=21
